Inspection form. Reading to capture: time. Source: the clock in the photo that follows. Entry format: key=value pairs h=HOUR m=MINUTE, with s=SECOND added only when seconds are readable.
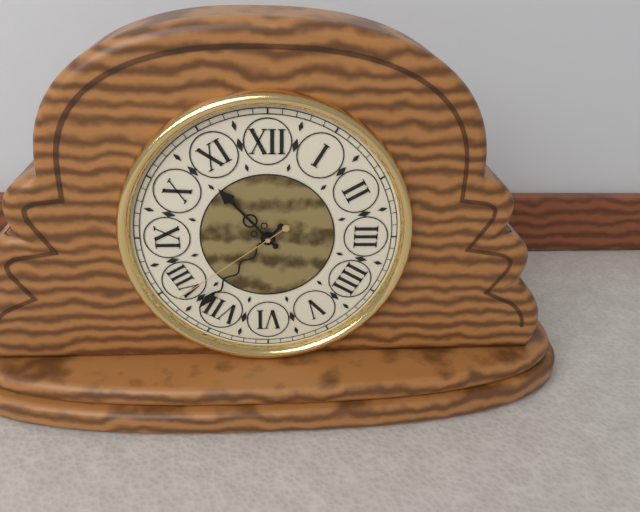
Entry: h=10 m=37 s=39
